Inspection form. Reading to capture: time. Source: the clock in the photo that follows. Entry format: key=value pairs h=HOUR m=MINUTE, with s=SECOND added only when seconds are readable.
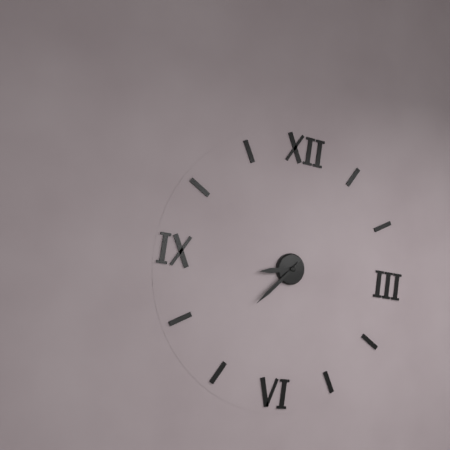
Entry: h=8 m=37
